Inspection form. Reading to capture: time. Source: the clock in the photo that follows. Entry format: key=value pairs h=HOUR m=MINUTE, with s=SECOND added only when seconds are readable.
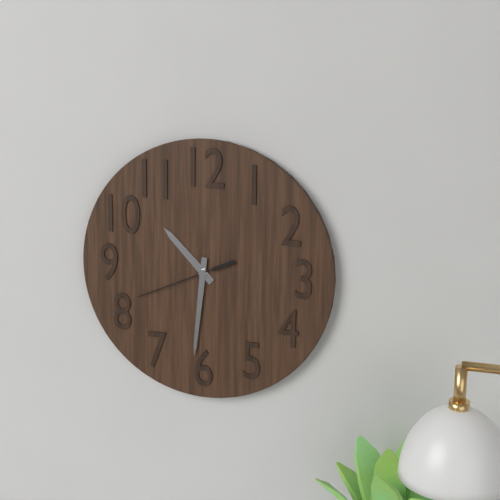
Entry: h=10 m=31 s=41
